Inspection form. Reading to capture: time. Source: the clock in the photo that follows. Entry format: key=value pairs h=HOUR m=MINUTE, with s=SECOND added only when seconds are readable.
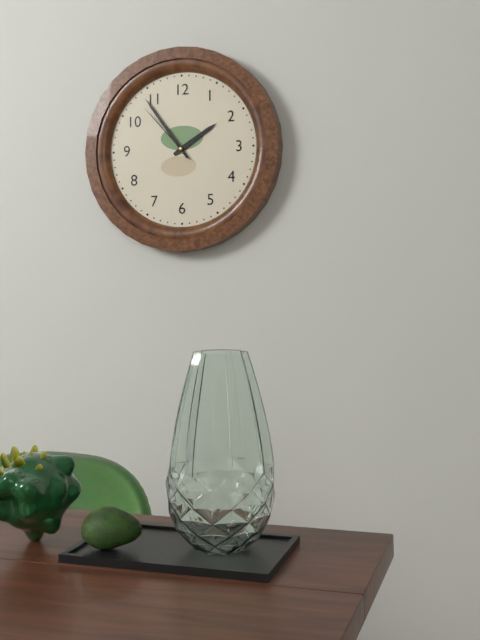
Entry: h=1 m=54 s=53
